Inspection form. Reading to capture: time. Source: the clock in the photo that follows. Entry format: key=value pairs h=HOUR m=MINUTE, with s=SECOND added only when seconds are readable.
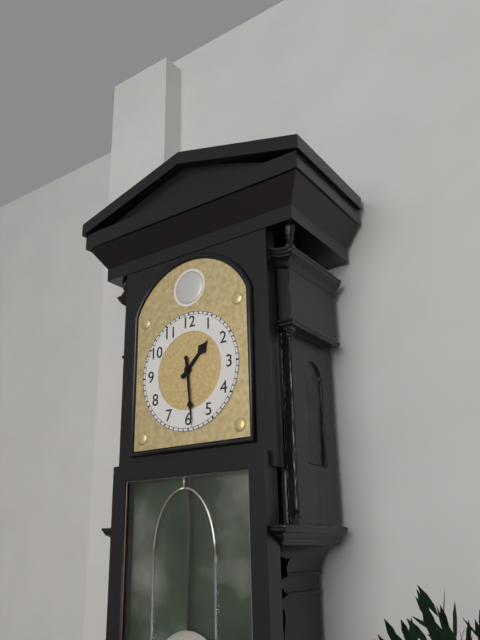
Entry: h=1 m=29
